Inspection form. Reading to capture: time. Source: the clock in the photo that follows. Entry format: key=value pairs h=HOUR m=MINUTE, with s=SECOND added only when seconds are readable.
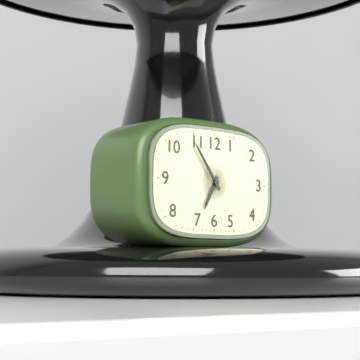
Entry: h=6 m=54
